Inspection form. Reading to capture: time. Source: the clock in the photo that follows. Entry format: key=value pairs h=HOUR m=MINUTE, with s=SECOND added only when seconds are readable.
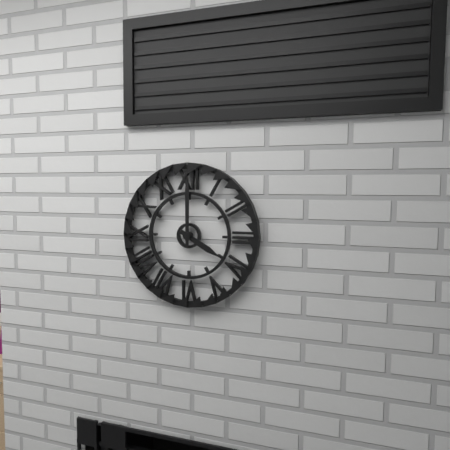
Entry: h=4 m=0
